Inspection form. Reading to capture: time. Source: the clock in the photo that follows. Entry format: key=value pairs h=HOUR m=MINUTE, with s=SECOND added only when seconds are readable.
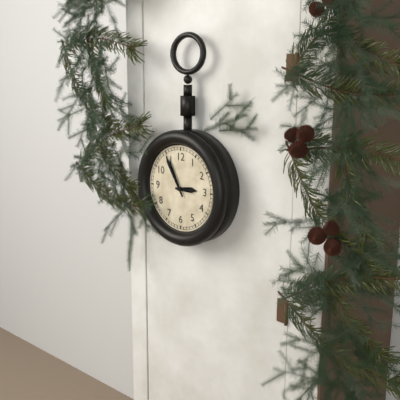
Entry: h=2 m=55
